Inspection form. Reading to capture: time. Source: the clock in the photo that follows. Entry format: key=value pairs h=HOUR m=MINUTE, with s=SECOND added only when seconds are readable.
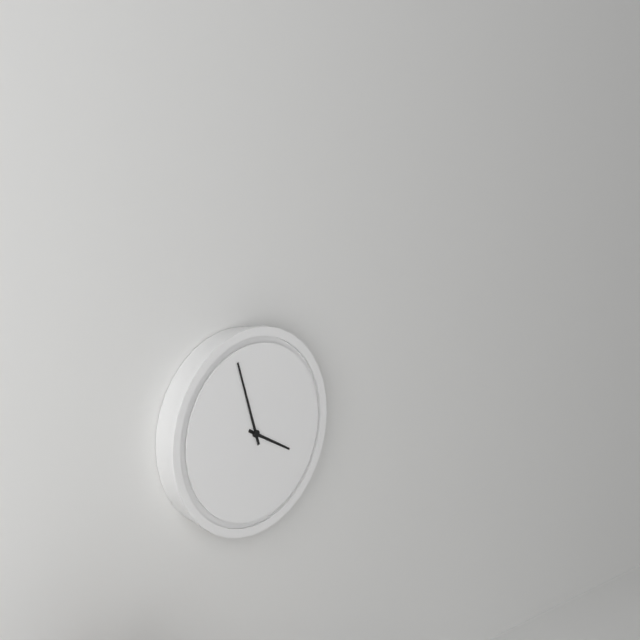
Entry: h=3 m=57
